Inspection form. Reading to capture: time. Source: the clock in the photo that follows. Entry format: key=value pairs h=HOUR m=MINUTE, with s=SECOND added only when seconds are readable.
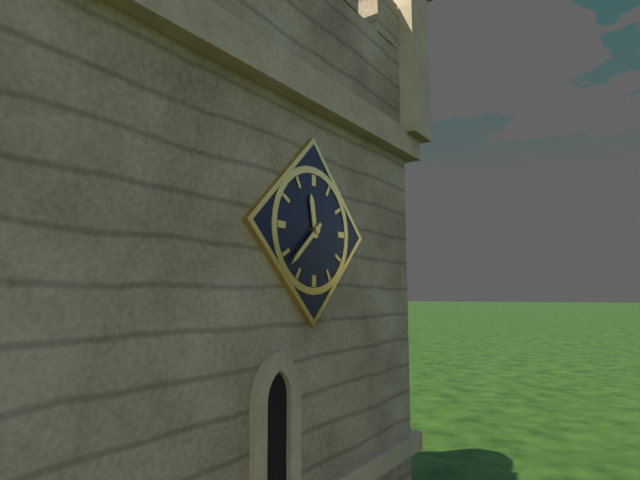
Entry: h=11 m=38
